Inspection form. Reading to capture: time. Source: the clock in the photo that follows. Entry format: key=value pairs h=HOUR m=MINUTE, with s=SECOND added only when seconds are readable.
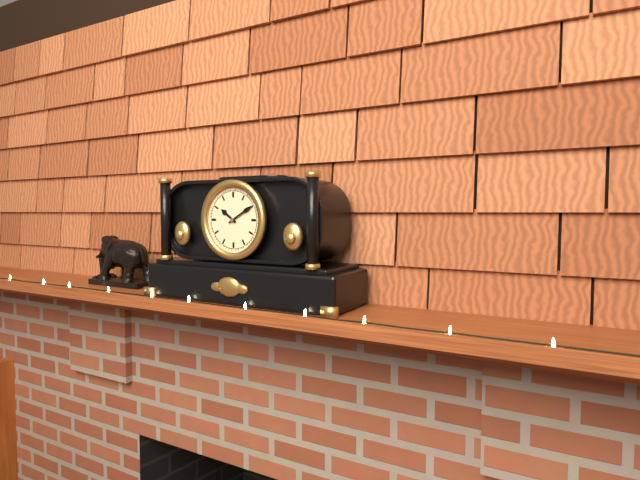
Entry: h=10 m=10
